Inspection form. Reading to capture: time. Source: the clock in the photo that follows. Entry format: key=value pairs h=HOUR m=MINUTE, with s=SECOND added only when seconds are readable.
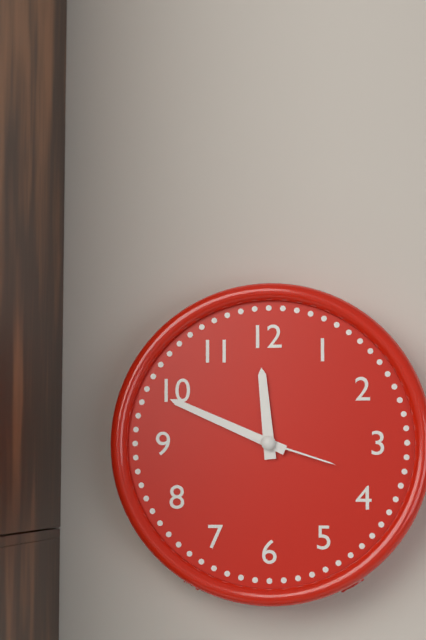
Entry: h=11 m=49 s=18
